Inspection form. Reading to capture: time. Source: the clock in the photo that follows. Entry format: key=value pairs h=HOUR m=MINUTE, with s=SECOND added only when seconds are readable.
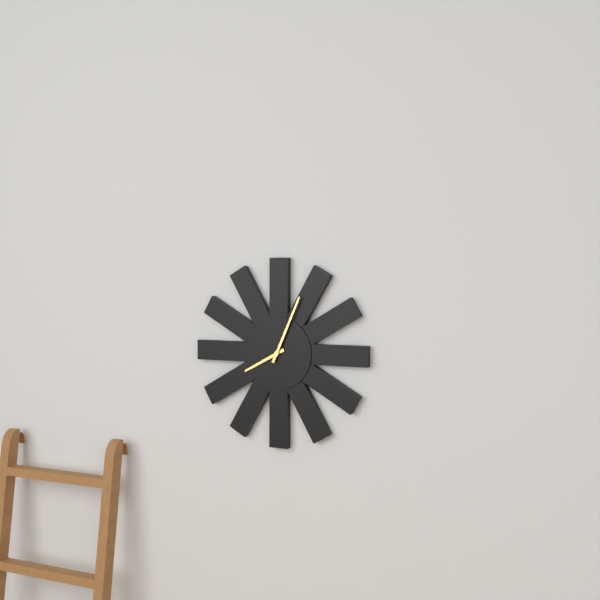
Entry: h=8 m=4
